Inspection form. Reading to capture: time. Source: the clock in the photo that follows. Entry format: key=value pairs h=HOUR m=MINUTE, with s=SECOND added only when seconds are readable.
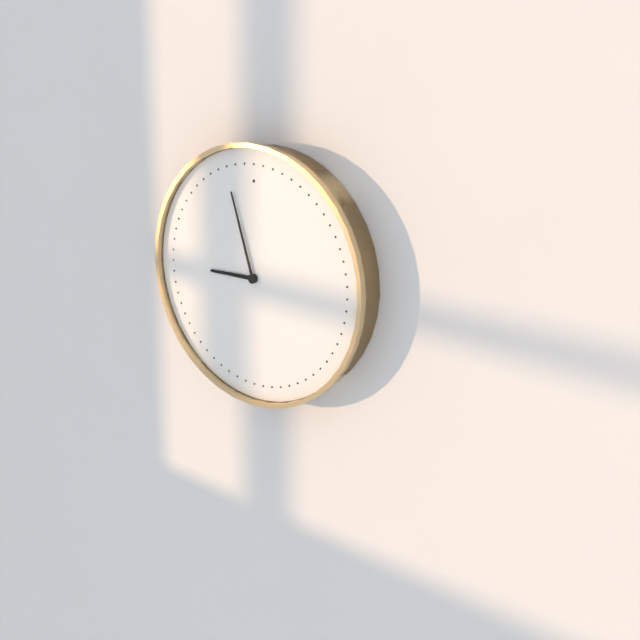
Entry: h=8 m=57
